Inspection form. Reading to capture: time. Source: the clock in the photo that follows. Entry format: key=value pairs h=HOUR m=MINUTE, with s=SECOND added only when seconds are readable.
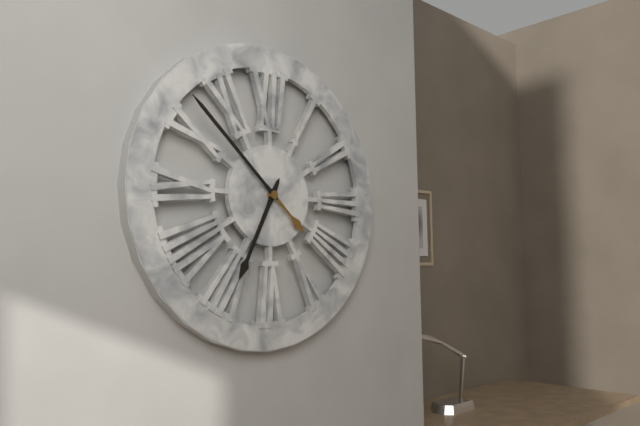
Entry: h=6 m=52
